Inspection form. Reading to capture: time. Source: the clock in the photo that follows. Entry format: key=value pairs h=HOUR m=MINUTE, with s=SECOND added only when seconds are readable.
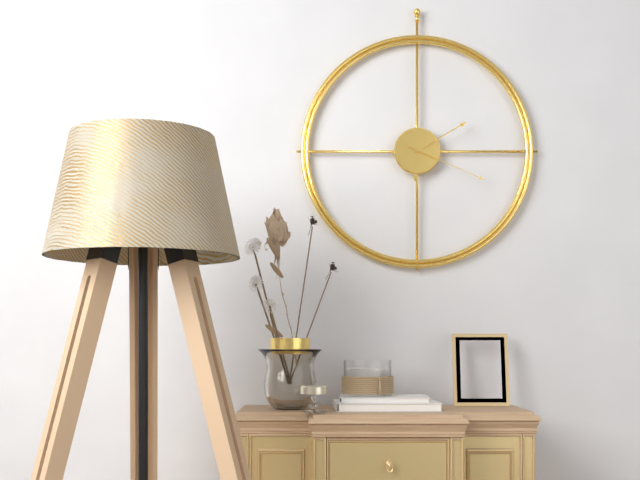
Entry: h=6 m=10 s=19
